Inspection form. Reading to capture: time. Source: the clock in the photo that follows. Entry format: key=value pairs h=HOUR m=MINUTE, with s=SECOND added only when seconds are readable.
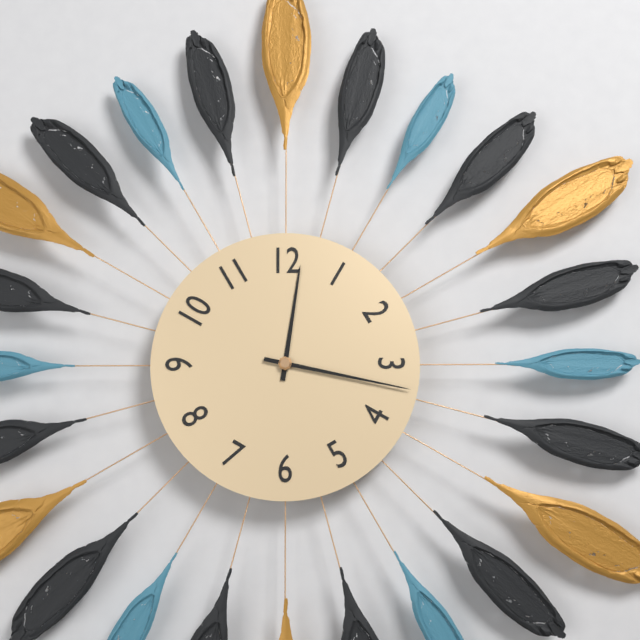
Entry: h=12 m=17
